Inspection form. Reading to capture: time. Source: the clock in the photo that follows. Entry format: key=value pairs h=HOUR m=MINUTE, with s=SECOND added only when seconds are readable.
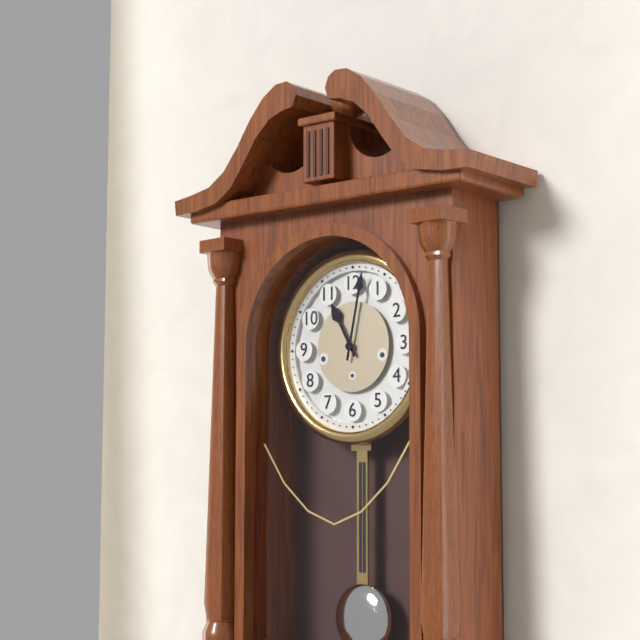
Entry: h=11 m=2
